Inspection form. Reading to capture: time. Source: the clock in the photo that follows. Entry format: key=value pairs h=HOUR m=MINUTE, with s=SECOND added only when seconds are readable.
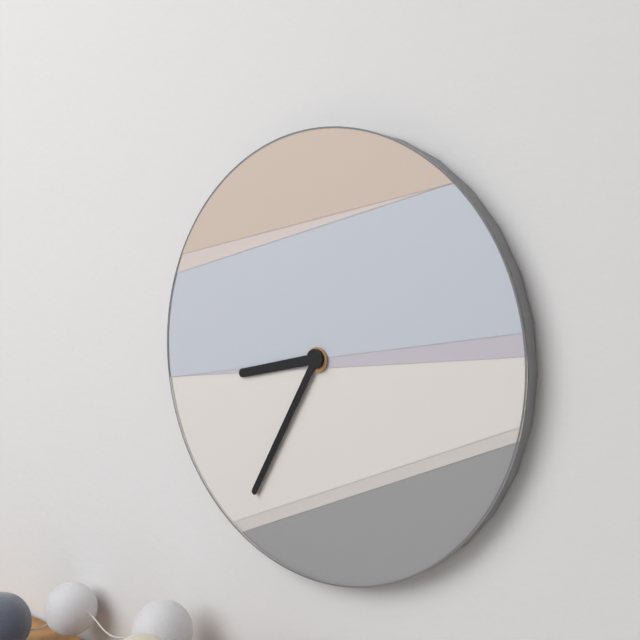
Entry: h=8 m=35
